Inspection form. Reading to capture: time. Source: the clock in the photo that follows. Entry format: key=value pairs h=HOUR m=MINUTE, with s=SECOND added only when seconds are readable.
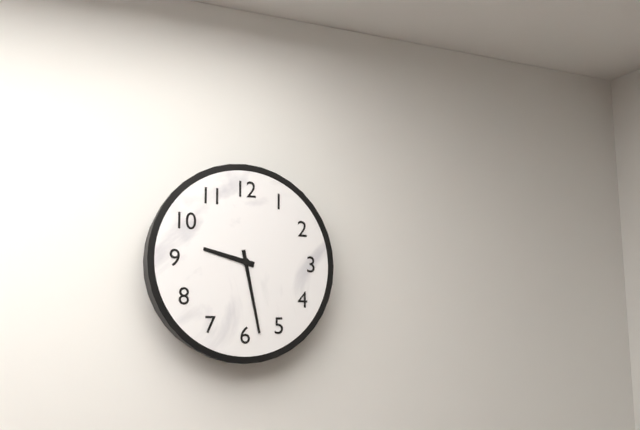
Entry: h=9 m=28
